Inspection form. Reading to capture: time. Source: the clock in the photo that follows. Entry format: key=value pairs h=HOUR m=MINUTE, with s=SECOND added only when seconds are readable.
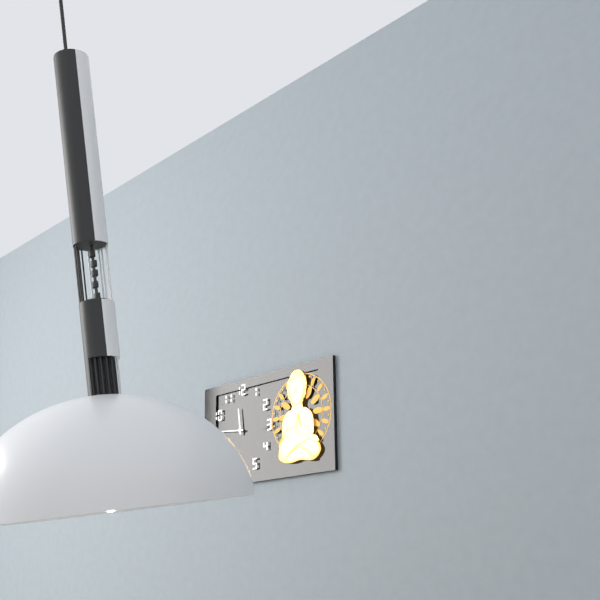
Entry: h=11 m=46
